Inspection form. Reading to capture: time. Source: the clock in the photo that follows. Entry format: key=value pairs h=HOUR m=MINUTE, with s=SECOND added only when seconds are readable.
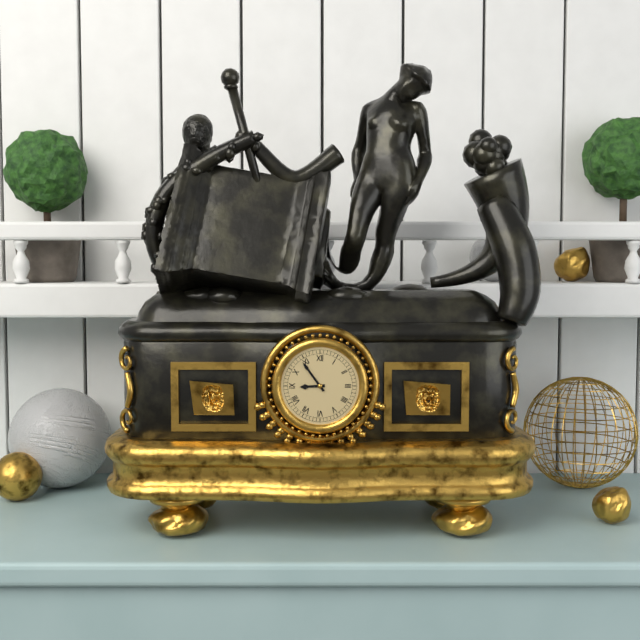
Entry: h=8 m=54
